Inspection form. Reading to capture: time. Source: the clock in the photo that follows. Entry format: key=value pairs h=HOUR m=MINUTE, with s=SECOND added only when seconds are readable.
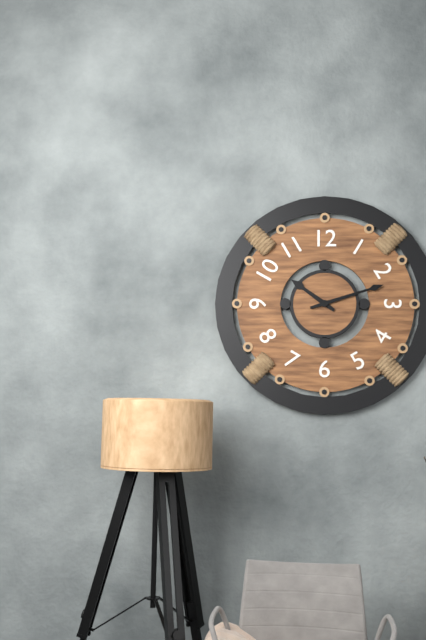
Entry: h=10 m=12
